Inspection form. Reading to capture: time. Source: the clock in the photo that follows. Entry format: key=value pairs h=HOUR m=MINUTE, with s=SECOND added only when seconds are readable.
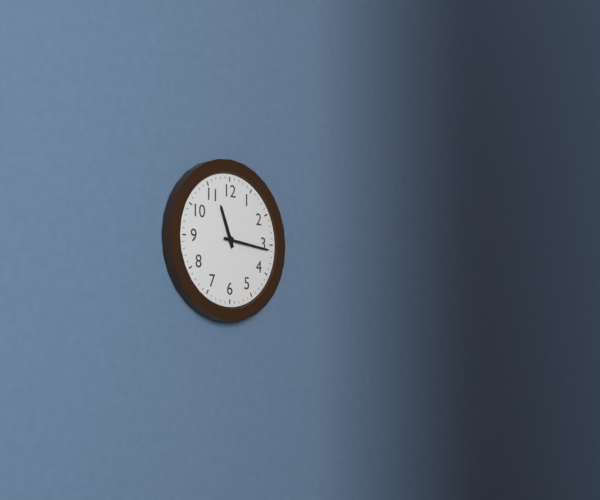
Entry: h=11 m=16
